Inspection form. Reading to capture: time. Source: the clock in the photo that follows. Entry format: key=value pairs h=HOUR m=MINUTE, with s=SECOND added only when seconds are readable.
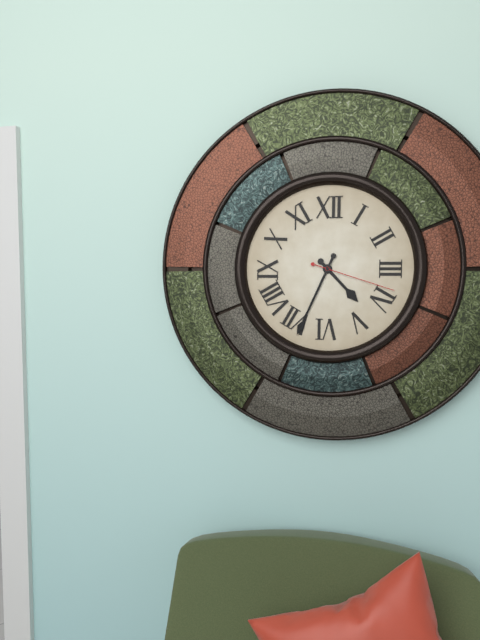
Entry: h=4 m=34 s=18
